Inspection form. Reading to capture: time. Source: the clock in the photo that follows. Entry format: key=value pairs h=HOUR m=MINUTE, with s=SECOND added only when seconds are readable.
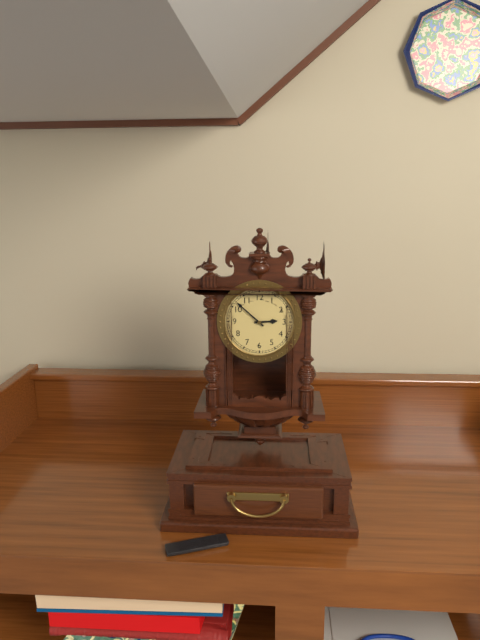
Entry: h=2 m=52
